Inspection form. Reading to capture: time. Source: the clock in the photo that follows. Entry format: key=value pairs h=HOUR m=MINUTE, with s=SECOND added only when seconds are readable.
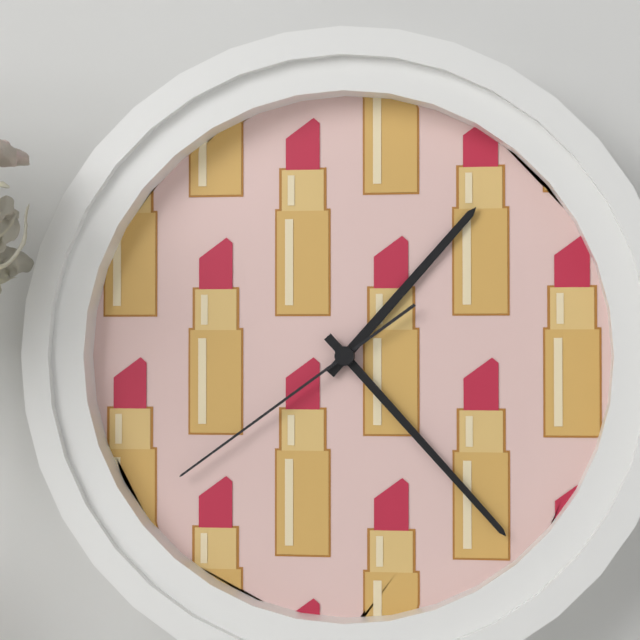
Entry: h=1 m=23 s=39
